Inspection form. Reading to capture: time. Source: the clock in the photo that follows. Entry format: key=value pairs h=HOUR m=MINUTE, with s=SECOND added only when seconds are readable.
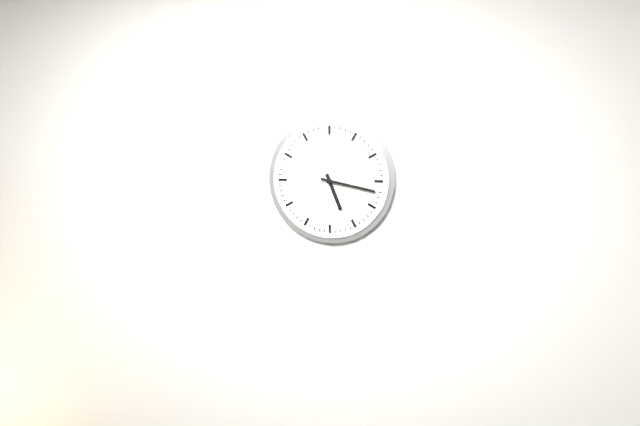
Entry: h=5 m=17
